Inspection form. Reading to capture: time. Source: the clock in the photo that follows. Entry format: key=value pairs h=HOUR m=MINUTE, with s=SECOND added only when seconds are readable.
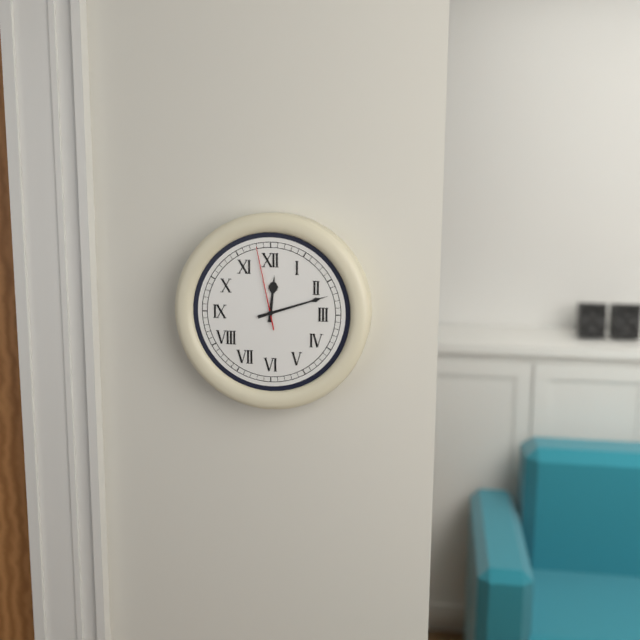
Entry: h=12 m=12 s=58
